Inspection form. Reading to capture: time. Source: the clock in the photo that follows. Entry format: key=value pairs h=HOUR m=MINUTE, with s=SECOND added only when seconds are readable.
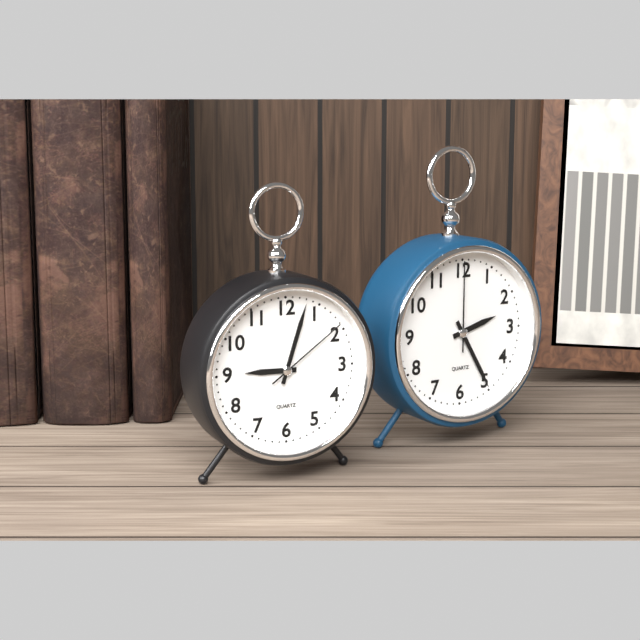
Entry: h=9 m=3 s=9
